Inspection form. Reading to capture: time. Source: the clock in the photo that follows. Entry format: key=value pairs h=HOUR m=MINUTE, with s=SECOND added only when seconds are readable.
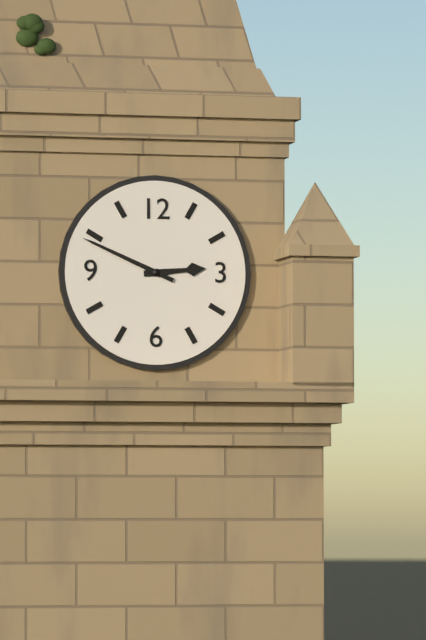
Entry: h=2 m=49
